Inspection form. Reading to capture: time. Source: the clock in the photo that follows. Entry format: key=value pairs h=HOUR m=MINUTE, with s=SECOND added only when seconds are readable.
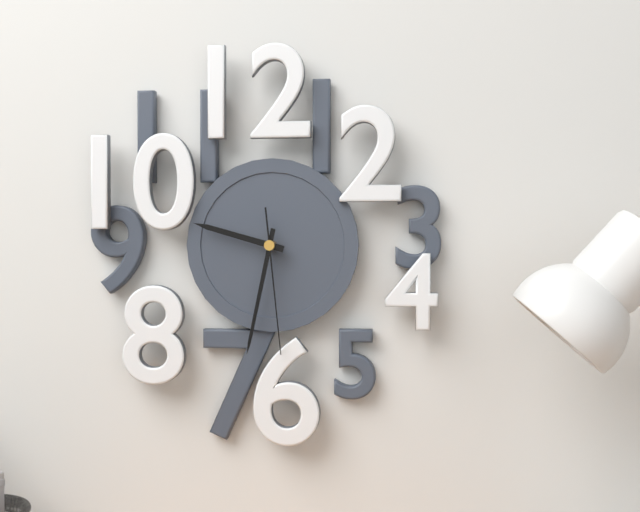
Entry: h=9 m=32 s=29
